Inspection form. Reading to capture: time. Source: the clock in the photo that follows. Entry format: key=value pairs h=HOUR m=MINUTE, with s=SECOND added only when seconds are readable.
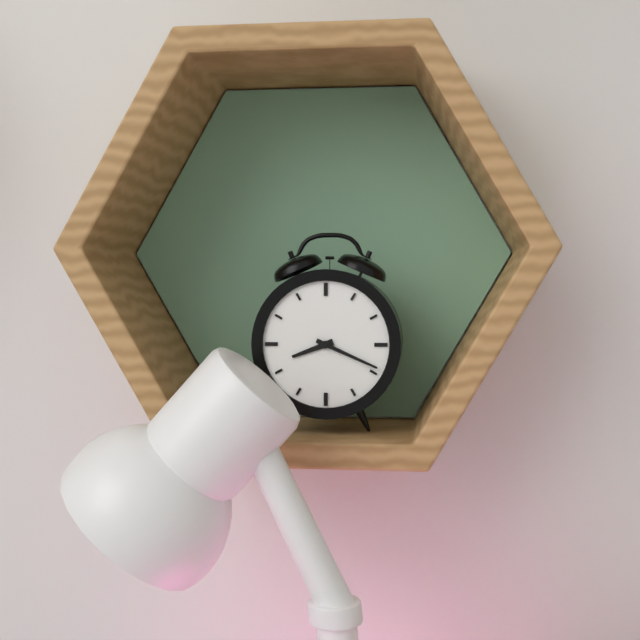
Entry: h=8 m=19
